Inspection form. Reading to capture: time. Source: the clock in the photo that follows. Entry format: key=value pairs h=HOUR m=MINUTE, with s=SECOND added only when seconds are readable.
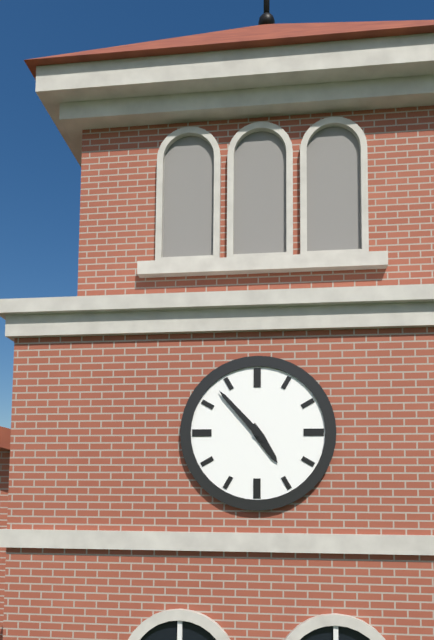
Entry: h=4 m=53
